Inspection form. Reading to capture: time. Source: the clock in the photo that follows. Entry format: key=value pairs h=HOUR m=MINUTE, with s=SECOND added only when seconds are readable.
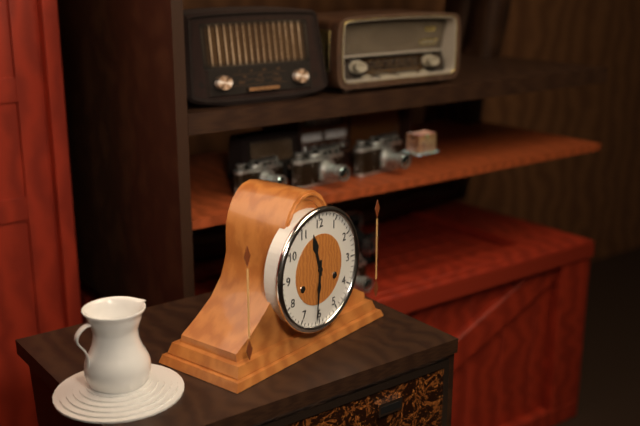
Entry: h=11 m=31
